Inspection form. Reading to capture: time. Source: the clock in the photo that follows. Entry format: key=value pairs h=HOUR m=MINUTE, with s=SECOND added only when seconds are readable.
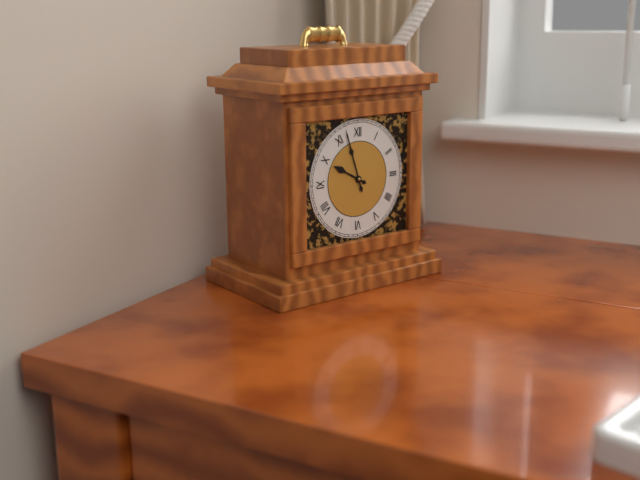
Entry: h=9 m=57
